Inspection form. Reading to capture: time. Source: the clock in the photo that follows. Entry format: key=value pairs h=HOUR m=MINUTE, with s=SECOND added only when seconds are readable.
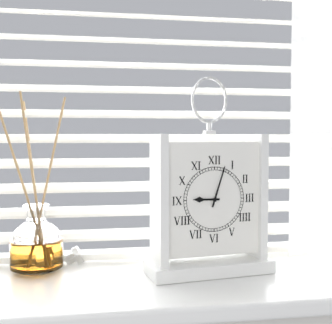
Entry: h=9 m=3
